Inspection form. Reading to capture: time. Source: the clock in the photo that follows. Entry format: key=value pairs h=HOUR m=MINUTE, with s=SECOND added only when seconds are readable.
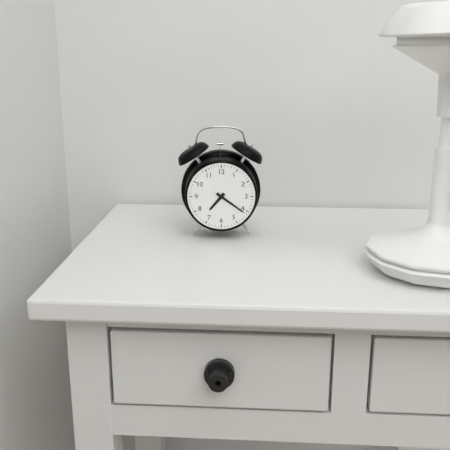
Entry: h=7 m=21
